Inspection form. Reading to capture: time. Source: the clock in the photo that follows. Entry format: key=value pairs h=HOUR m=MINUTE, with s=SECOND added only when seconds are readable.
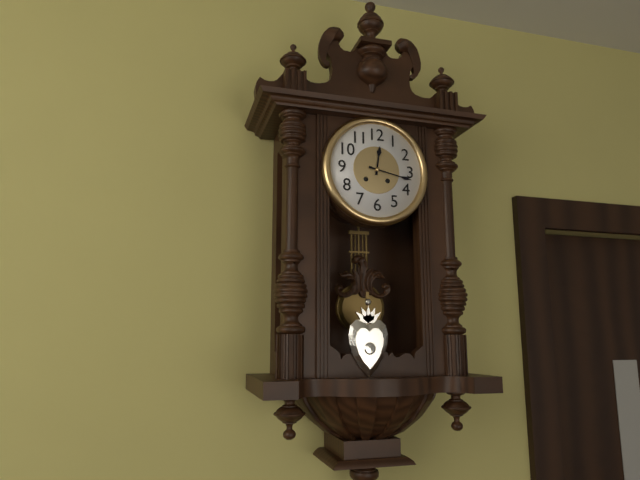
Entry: h=12 m=17
